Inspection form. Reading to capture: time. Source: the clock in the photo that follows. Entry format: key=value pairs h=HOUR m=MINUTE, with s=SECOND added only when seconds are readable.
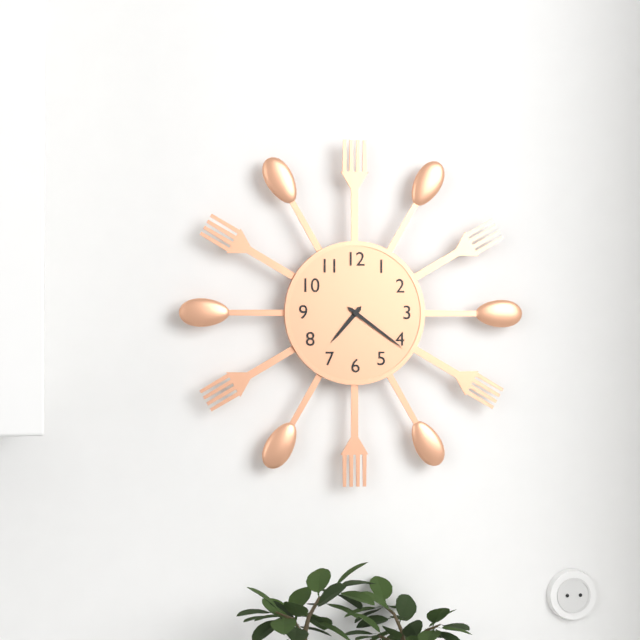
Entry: h=7 m=21
